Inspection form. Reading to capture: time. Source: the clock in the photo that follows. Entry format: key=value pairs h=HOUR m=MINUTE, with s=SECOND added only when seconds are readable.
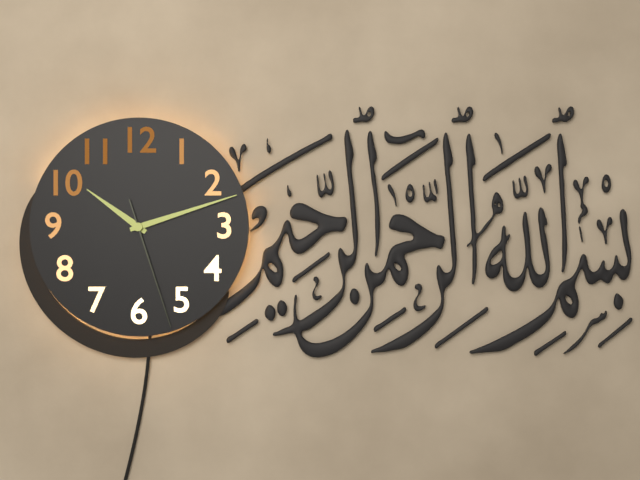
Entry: h=10 m=12 s=27
